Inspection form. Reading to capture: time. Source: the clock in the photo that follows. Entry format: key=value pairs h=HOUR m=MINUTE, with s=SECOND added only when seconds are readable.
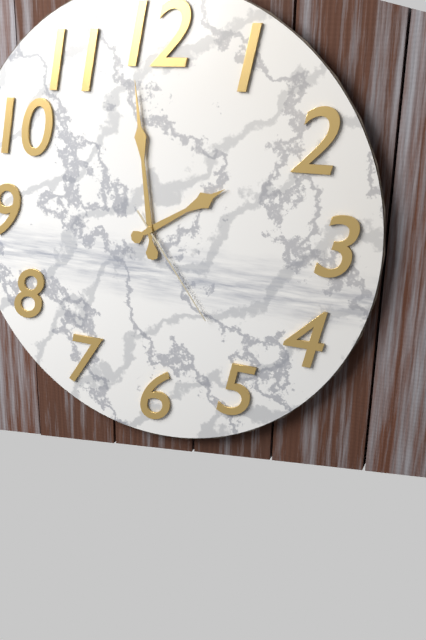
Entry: h=1 m=59 s=24
